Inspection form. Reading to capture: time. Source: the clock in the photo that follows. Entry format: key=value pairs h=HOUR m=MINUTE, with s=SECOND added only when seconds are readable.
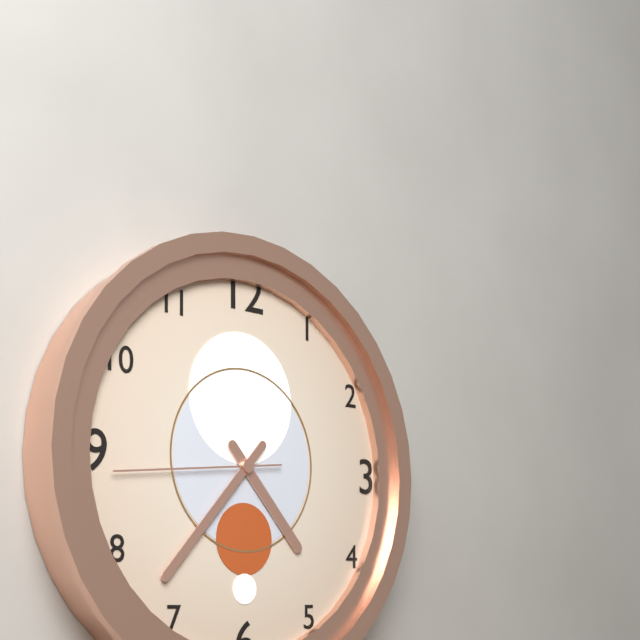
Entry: h=4 m=37 s=44
